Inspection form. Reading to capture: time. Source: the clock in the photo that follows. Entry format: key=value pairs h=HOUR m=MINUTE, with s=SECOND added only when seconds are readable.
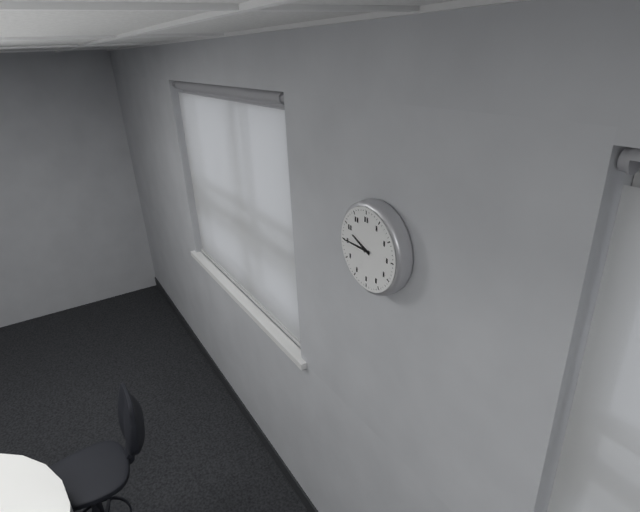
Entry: h=9 m=45
